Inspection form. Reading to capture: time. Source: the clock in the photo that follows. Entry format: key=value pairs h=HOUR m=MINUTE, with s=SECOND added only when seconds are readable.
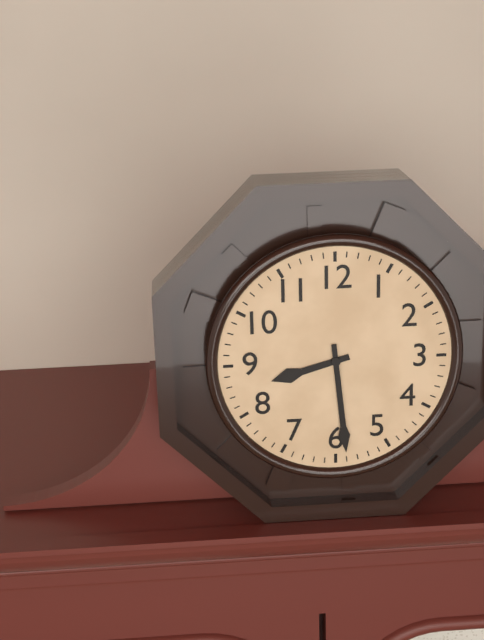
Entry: h=8 m=29
